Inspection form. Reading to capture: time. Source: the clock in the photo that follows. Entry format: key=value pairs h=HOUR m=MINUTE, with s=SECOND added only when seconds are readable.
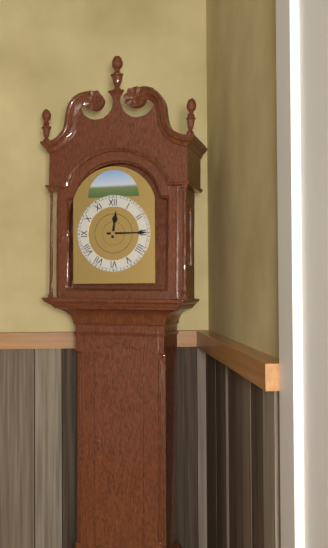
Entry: h=12 m=15
